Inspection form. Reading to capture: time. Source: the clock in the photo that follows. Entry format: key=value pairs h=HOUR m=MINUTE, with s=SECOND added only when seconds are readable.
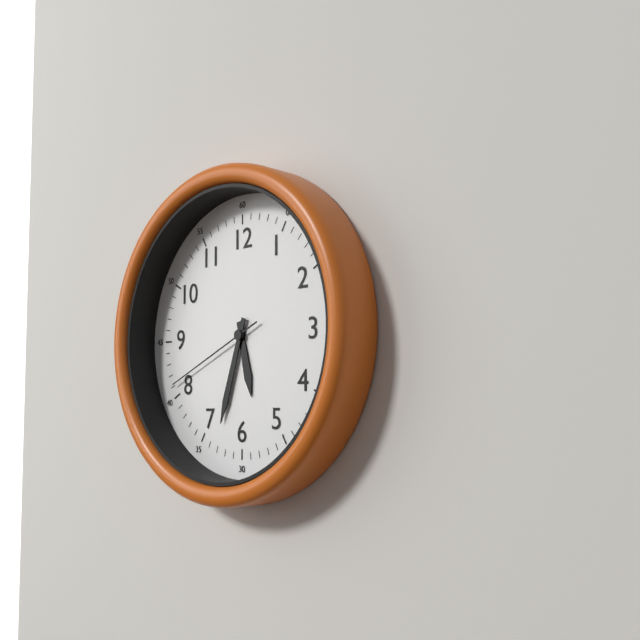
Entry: h=5 m=33 s=41
